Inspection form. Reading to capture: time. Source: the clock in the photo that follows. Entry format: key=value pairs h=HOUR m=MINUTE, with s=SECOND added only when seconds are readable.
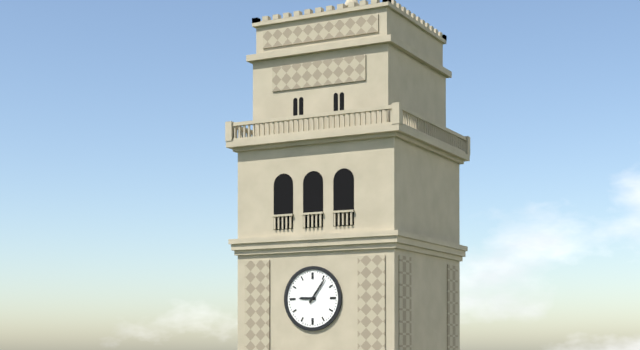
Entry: h=9 m=6
